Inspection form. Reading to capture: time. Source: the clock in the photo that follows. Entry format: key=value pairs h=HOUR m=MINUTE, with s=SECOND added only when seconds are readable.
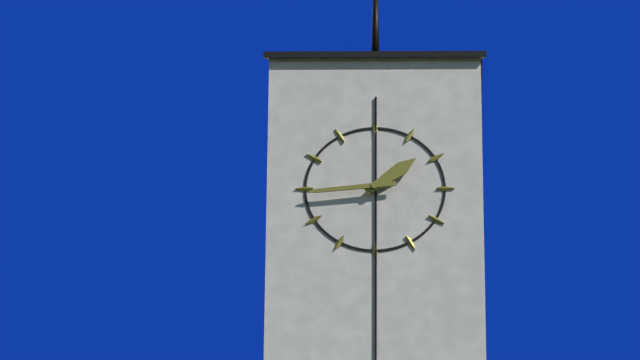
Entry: h=1 m=44
